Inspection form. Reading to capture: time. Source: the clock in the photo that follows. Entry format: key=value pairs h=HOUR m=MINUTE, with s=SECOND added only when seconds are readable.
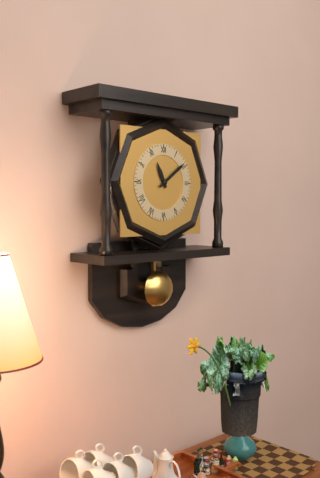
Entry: h=11 m=9
